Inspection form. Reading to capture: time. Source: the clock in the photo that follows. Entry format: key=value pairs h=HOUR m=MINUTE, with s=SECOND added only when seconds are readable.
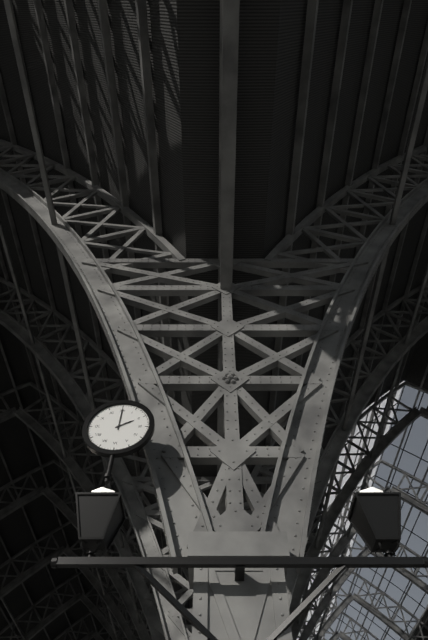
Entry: h=2 m=0
